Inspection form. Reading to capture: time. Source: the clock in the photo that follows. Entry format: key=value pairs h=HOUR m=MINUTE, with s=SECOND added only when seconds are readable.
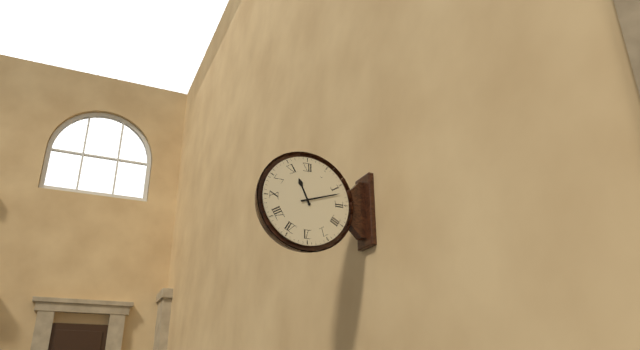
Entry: h=11 m=12
